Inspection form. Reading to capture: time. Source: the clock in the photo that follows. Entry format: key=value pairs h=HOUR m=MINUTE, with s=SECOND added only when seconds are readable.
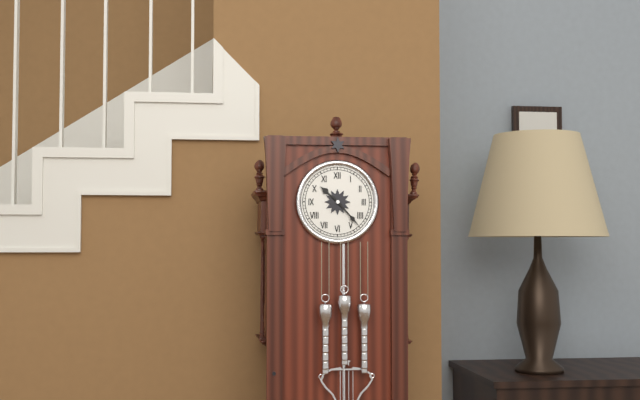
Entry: h=10 m=23
